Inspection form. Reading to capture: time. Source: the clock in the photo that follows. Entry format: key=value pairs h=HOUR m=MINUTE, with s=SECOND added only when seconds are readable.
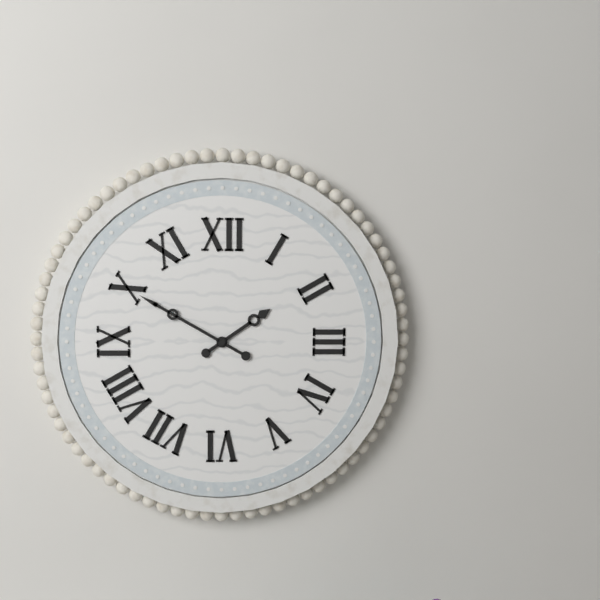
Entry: h=1 m=50
